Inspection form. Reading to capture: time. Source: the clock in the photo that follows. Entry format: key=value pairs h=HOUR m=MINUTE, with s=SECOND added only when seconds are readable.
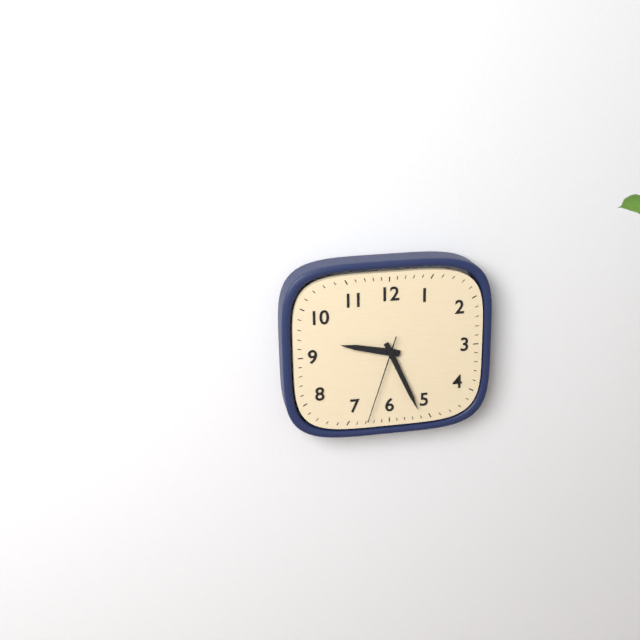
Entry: h=9 m=26 s=33
